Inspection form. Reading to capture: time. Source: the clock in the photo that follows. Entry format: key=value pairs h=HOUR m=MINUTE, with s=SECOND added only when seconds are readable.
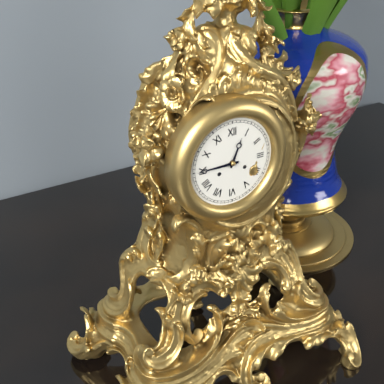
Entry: h=12 m=45
